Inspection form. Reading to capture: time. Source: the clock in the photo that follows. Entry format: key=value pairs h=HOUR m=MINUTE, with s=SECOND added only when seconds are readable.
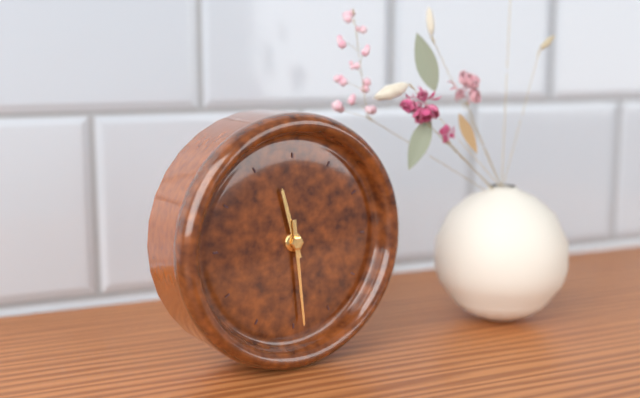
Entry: h=11 m=29
